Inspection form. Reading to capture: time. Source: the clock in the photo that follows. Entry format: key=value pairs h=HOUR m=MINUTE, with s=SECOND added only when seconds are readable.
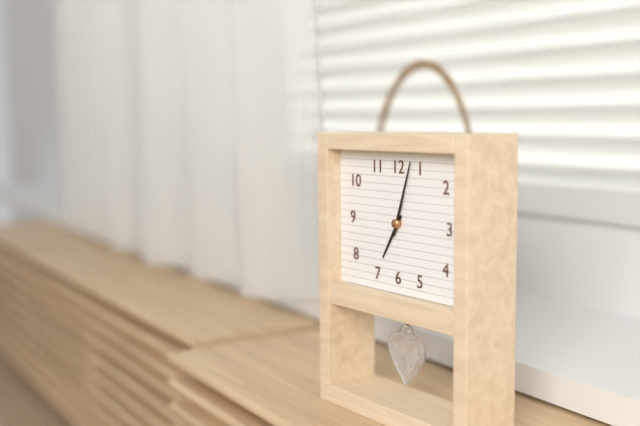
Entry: h=7 m=3
